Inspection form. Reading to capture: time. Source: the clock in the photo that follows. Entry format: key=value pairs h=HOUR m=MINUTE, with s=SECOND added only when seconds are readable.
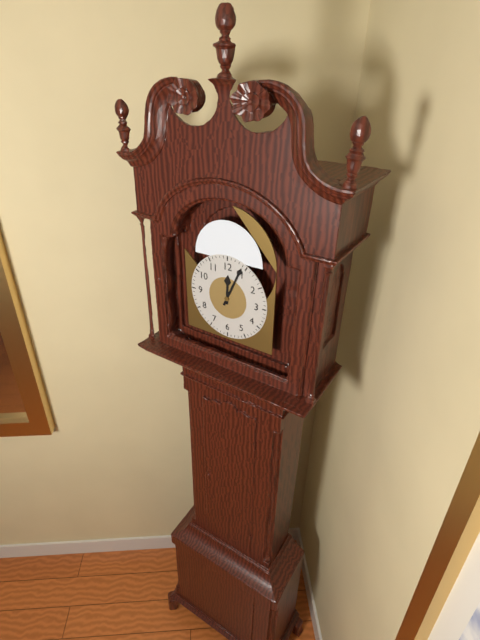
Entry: h=12 m=4
